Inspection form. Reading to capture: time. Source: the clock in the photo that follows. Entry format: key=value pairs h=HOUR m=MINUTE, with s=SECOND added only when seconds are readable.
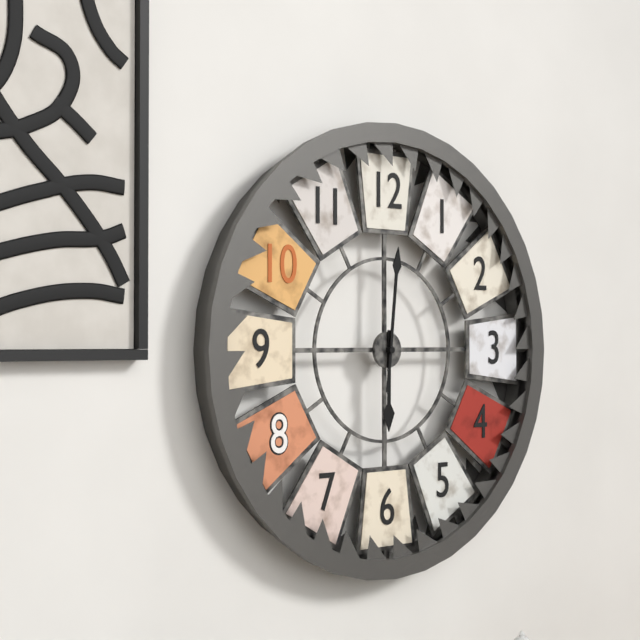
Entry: h=6 m=1
